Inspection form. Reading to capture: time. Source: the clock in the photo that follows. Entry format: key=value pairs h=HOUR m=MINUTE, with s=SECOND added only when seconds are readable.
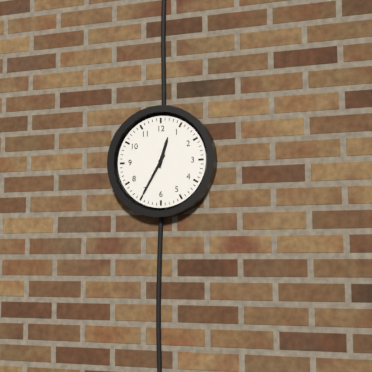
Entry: h=12 m=35
